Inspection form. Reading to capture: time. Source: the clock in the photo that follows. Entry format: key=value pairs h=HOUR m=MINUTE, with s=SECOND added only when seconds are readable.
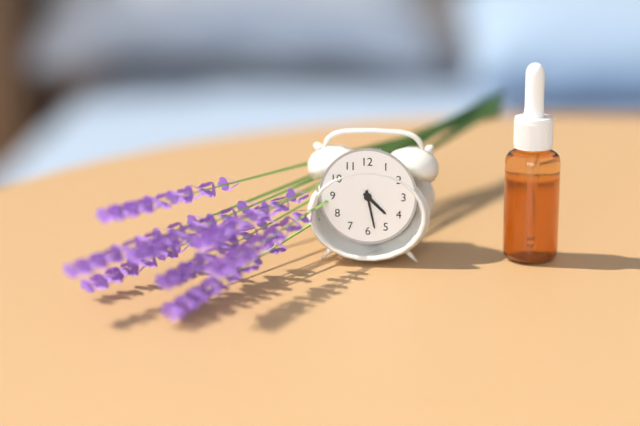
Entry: h=4 m=28
